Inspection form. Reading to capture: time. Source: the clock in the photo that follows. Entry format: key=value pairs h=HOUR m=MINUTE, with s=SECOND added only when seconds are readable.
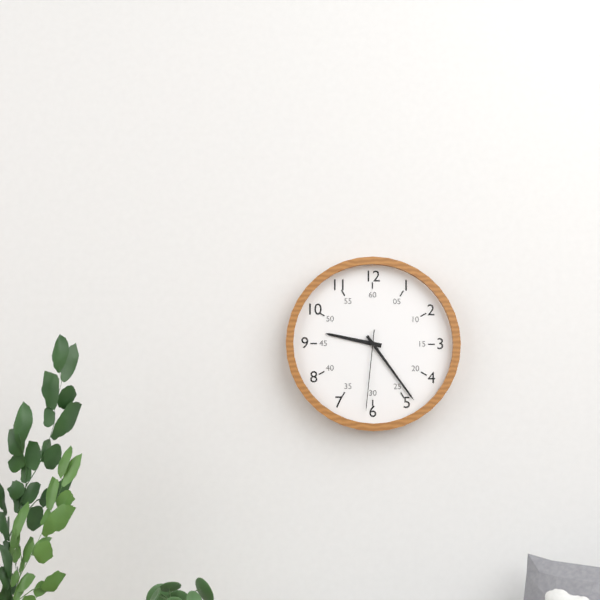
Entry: h=9 m=24 s=31
